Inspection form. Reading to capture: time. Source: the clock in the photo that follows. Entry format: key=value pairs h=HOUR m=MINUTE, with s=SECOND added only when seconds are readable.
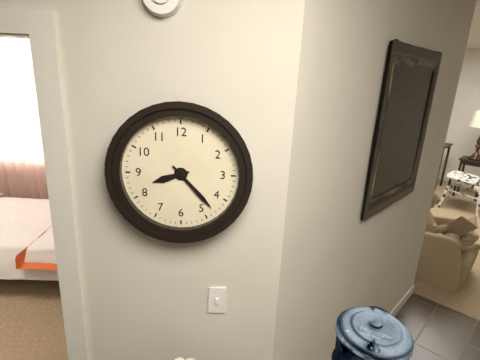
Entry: h=8 m=23
